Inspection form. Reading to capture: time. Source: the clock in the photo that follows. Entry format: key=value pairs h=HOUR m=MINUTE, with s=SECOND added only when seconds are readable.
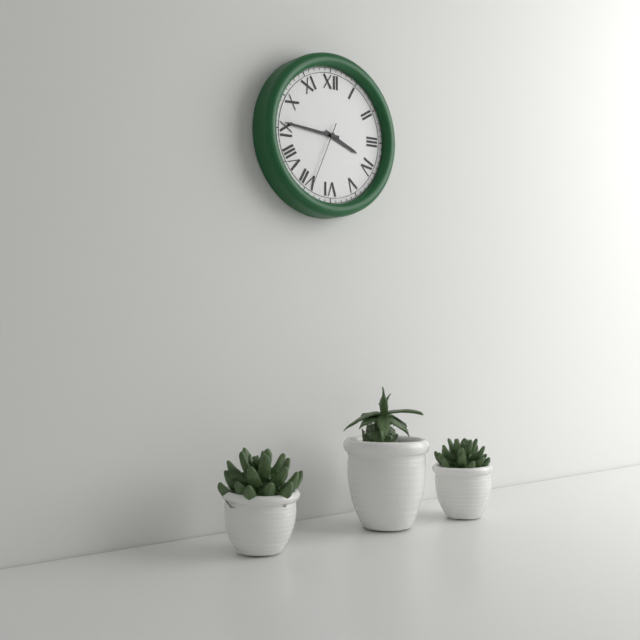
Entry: h=3 m=46 s=34
